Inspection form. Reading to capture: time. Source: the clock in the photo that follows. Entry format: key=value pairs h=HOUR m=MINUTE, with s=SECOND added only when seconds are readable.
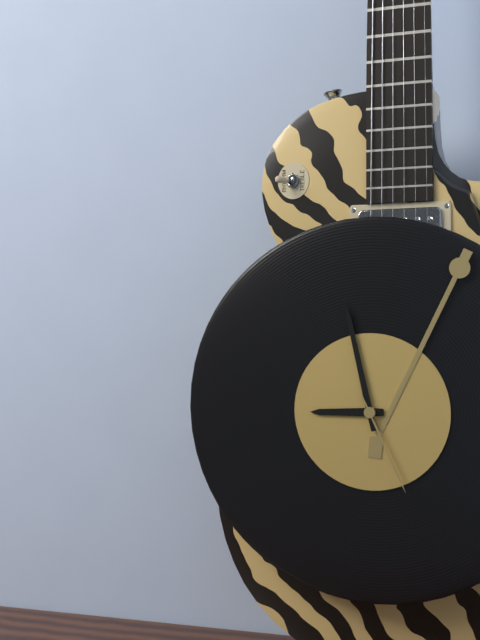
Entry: h=8 m=58 s=26
